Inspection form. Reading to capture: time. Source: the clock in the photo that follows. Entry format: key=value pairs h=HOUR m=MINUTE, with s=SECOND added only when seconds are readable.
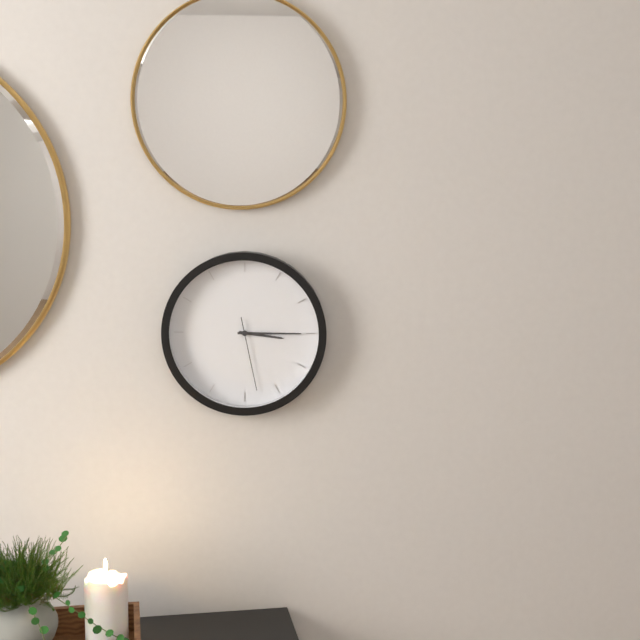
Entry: h=3 m=15 s=28
